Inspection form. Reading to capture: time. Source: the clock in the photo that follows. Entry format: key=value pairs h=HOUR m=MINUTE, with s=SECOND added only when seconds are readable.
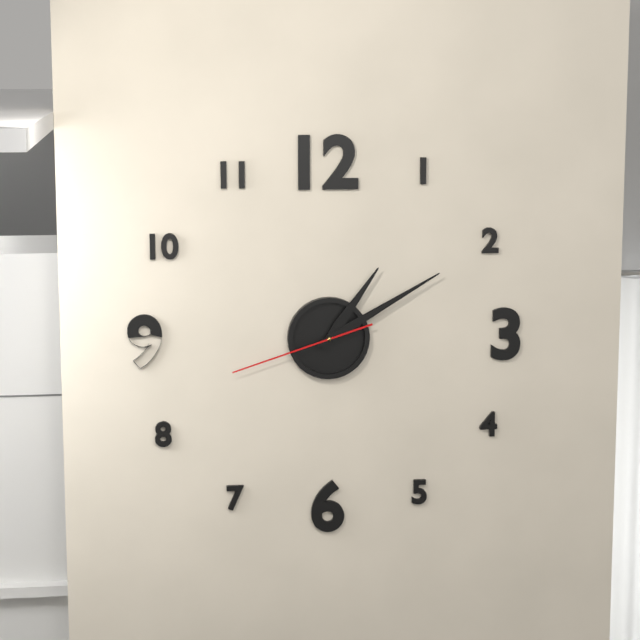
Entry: h=1 m=10 s=42
